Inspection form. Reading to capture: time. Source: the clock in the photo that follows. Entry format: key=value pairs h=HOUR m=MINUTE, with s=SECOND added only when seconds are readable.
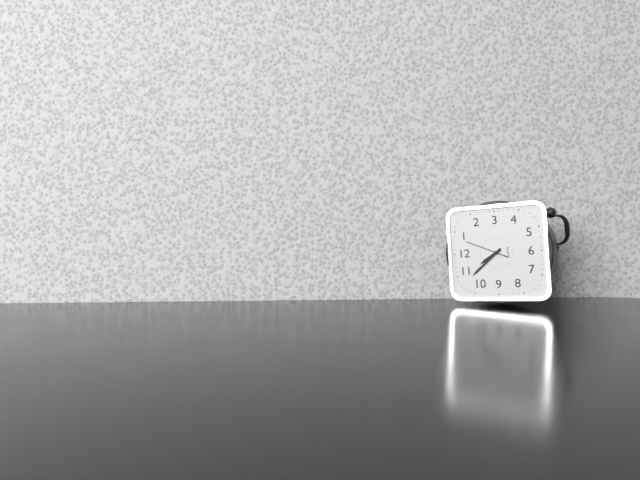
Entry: h=10 m=53
